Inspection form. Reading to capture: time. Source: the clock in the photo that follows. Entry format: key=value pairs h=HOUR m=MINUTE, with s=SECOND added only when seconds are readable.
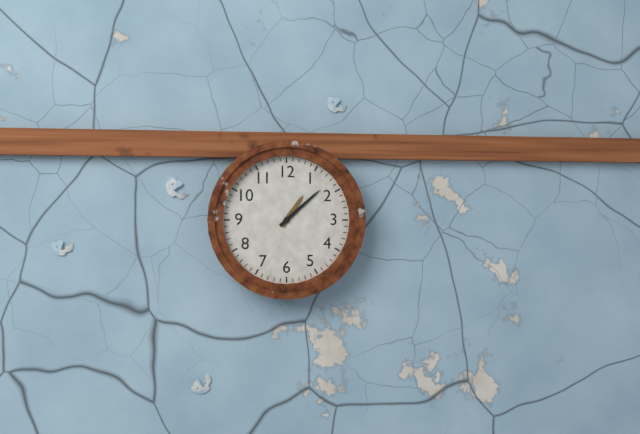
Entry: h=1 m=8
